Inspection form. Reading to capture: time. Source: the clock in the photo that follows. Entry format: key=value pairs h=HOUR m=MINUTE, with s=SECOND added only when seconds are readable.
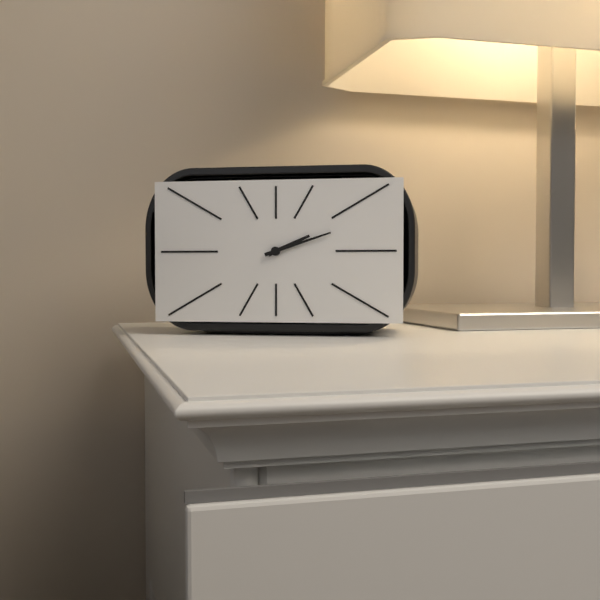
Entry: h=2 m=12
